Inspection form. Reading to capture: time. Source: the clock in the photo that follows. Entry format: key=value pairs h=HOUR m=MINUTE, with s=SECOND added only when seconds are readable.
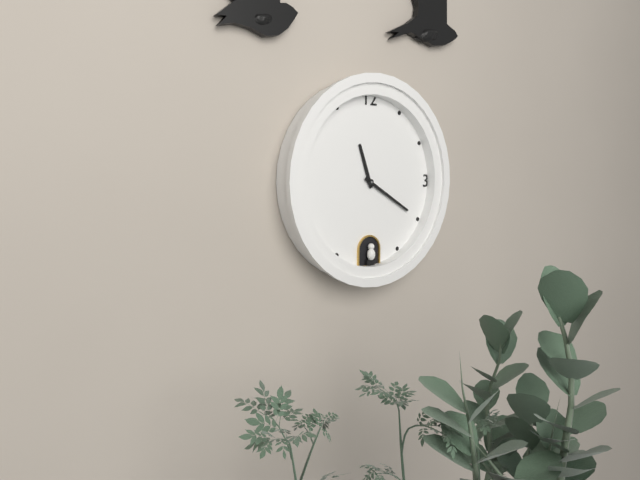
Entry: h=11 m=20
